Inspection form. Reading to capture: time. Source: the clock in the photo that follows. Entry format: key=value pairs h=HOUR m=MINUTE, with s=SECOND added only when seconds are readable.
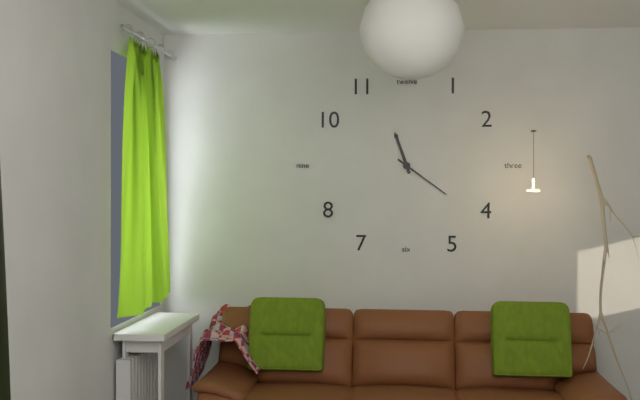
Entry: h=11 m=21
